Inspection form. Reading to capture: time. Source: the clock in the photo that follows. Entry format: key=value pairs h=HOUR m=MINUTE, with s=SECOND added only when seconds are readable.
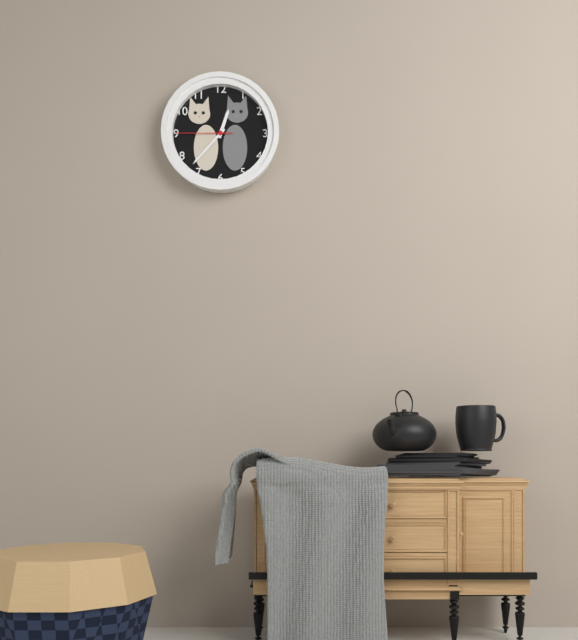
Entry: h=12 m=37 s=45
